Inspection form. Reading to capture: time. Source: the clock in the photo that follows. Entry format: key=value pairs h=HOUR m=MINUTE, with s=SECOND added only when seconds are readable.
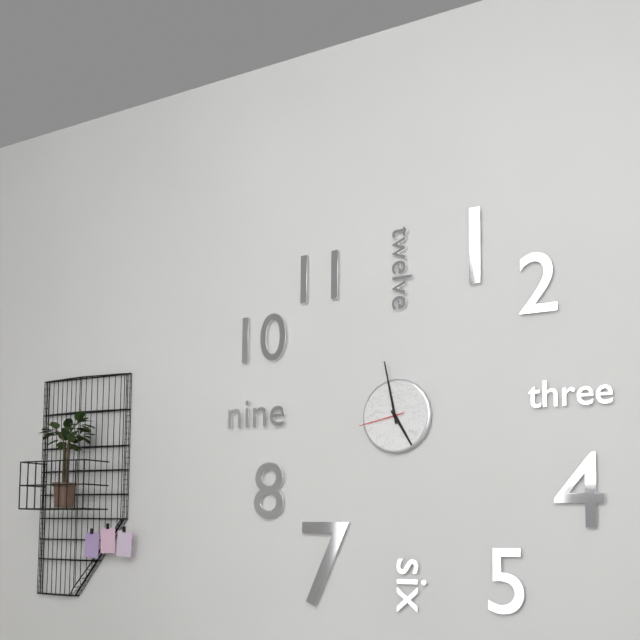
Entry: h=4 m=58
